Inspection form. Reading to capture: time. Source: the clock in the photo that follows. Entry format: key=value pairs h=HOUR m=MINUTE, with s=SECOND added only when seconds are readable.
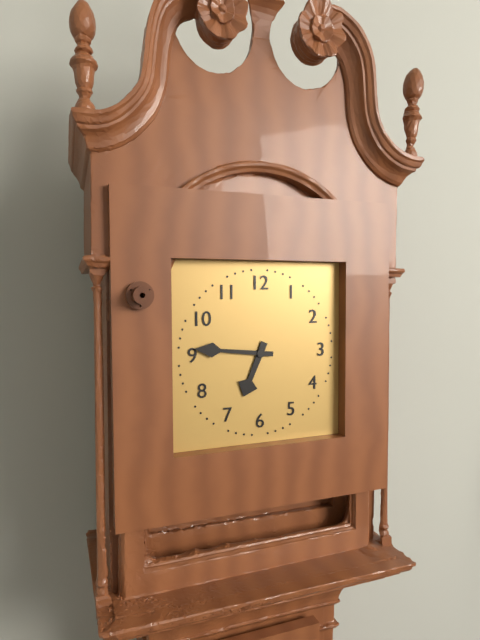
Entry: h=6 m=46
